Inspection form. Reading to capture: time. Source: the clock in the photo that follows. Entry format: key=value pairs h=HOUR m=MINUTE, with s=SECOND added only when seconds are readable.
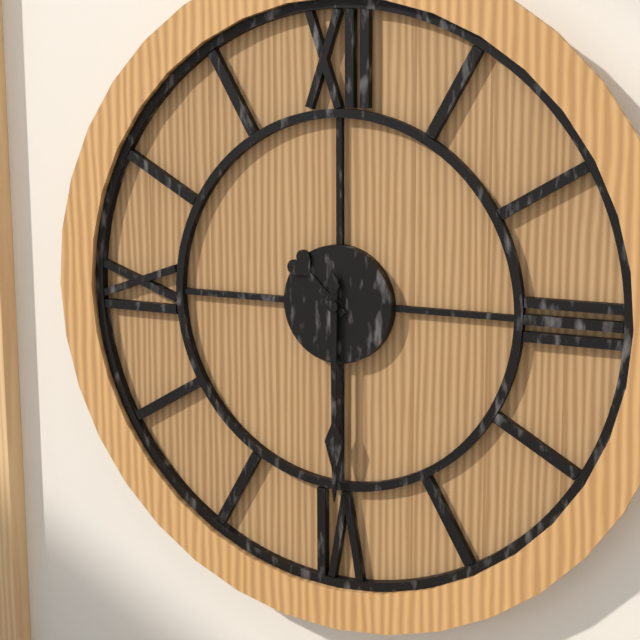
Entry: h=10 m=30
